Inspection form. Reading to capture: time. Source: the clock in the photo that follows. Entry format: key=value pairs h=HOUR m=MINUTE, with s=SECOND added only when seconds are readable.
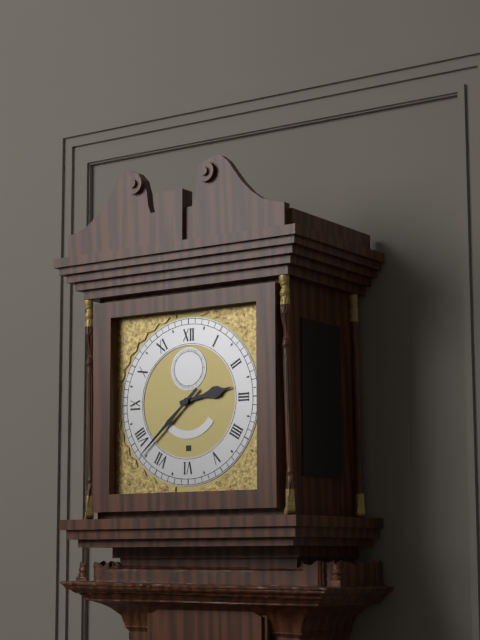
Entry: h=2 m=38
